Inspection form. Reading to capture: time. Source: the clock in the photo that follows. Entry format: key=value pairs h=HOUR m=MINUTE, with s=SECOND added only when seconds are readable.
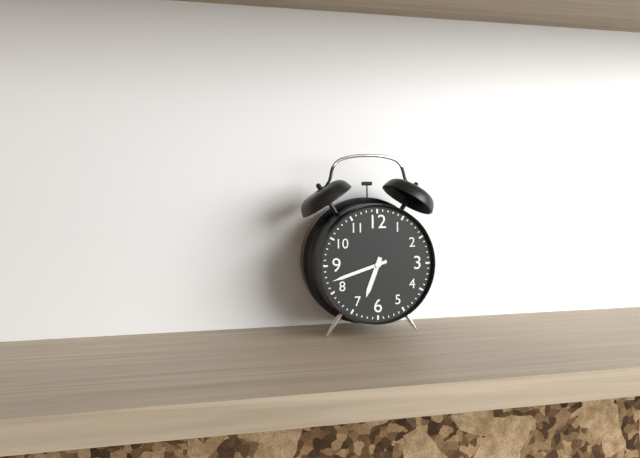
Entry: h=6 m=42
